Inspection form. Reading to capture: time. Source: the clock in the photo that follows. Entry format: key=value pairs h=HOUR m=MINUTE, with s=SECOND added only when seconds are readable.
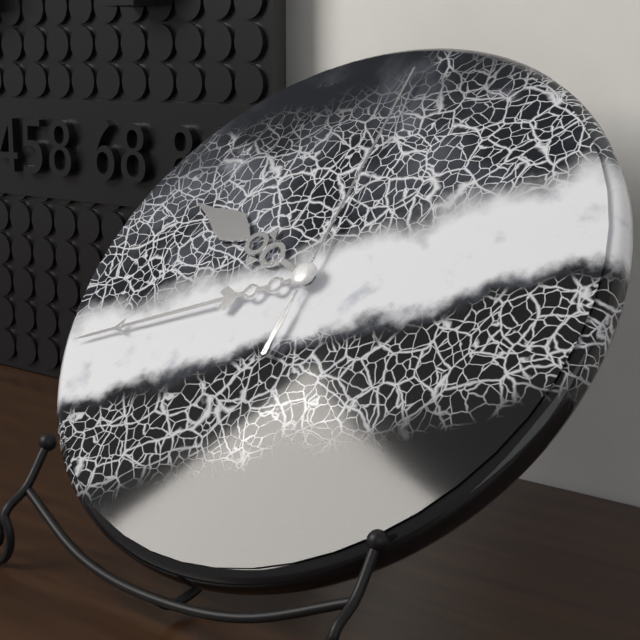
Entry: h=9 m=41 s=0
